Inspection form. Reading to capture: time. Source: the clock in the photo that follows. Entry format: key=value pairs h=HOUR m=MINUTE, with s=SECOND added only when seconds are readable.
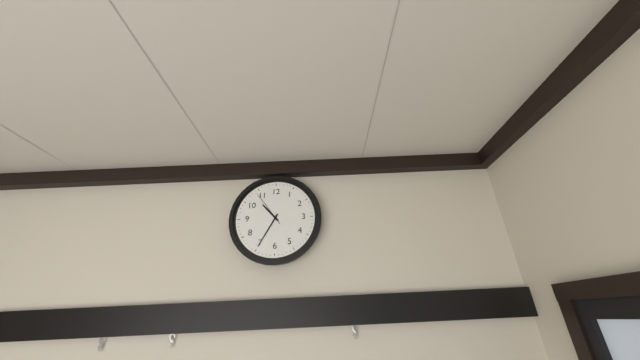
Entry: h=10 m=35
